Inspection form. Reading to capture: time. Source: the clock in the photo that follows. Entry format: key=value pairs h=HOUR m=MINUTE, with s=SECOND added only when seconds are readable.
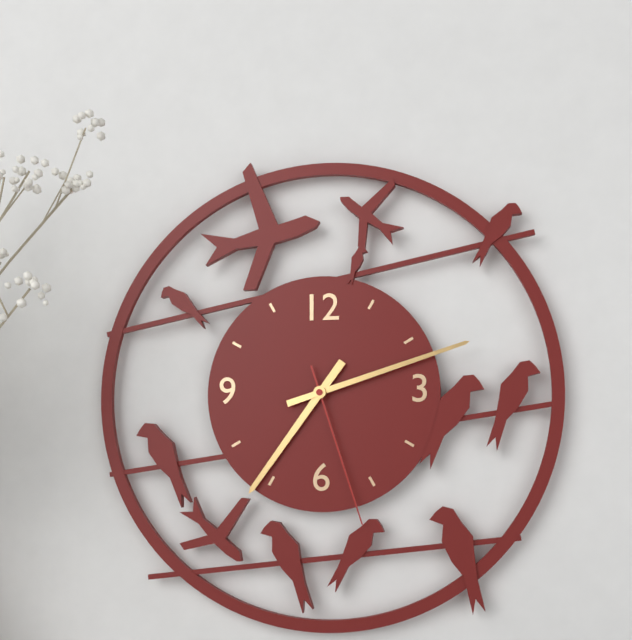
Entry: h=7 m=12 s=27
